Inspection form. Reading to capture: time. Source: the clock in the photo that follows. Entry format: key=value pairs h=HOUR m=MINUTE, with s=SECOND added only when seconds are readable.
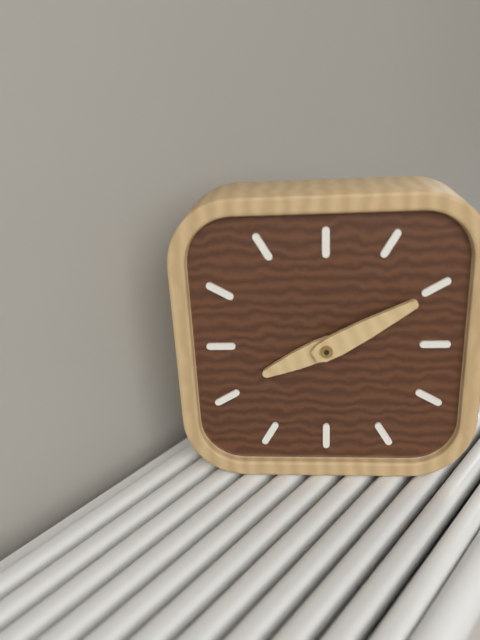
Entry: h=8 m=10
